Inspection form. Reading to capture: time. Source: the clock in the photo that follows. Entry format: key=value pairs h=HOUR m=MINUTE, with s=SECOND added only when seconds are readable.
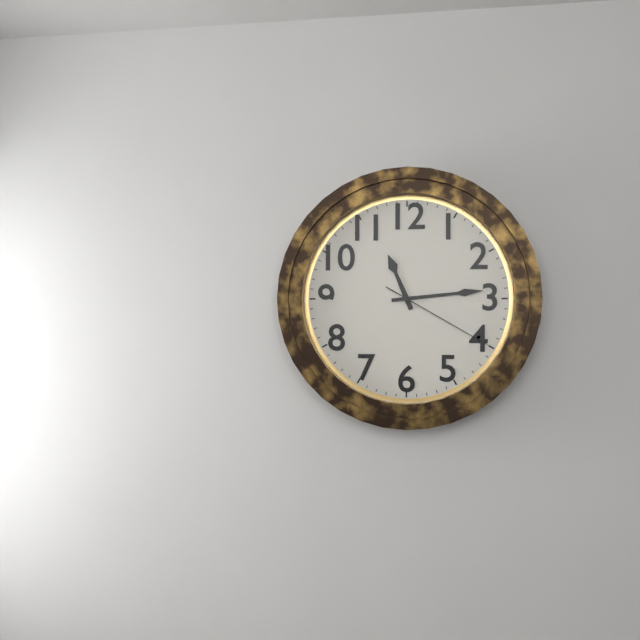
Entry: h=11 m=14 s=20
